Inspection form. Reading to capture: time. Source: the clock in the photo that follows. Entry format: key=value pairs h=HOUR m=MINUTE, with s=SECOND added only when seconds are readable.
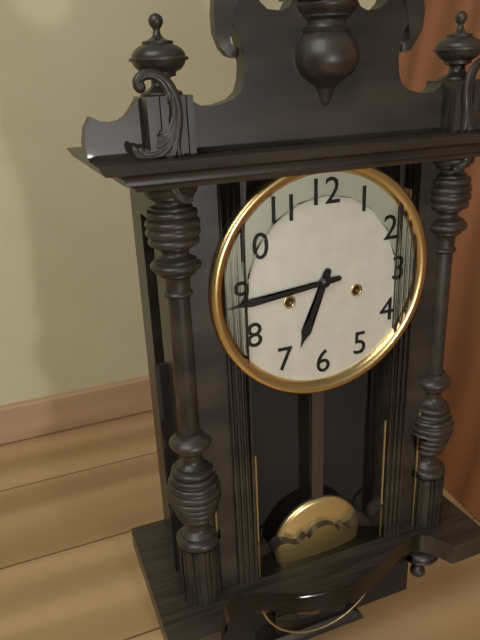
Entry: h=6 m=44
